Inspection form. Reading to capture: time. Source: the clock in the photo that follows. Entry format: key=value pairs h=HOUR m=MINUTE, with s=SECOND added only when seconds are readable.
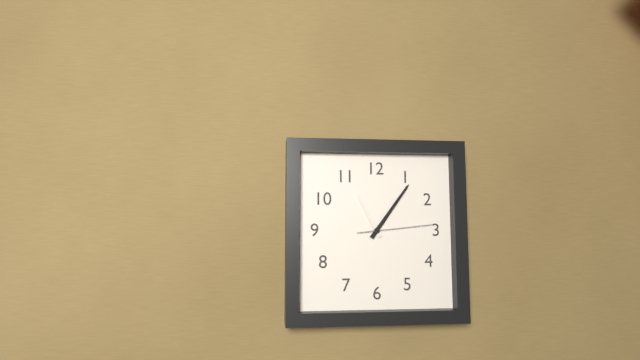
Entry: h=11 m=6 s=14
